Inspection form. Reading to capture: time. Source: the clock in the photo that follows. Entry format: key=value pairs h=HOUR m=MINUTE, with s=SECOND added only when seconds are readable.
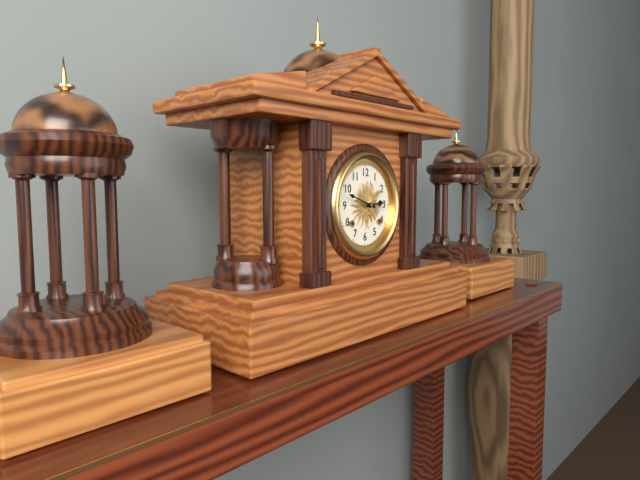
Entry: h=2 m=48
